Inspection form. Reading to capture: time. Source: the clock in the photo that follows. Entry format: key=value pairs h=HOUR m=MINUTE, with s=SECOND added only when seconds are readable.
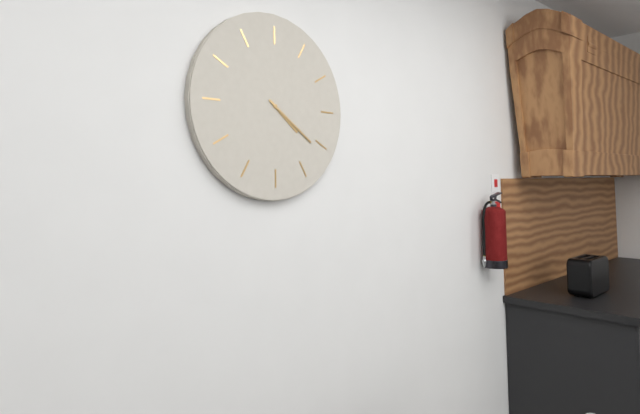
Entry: h=4 m=21
